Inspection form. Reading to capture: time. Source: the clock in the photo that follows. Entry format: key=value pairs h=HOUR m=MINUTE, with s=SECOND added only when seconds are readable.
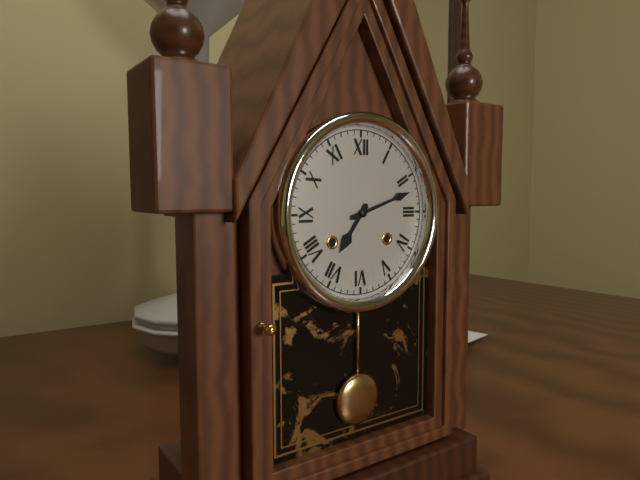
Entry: h=7 m=12
